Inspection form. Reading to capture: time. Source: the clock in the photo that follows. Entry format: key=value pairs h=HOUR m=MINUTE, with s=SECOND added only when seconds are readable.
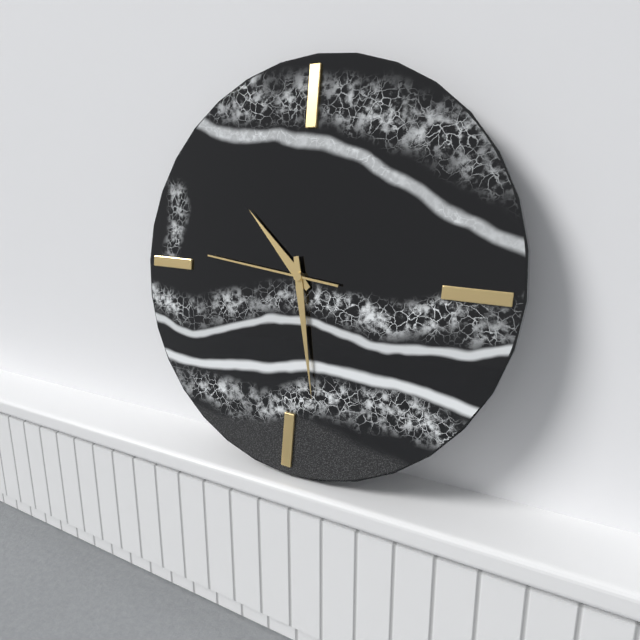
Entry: h=10 m=28 s=46
